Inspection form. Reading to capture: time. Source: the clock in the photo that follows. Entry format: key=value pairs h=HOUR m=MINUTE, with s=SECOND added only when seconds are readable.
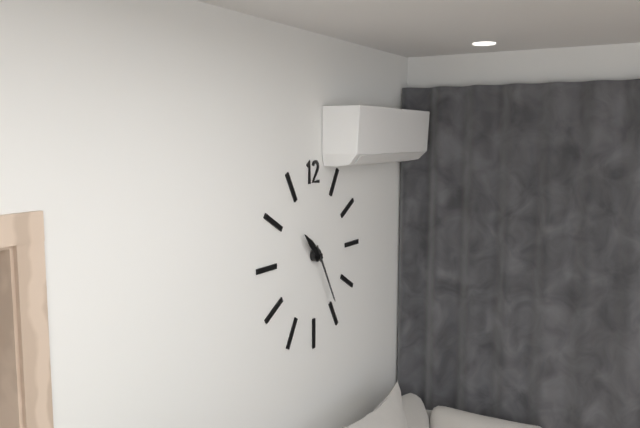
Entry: h=10 m=25
